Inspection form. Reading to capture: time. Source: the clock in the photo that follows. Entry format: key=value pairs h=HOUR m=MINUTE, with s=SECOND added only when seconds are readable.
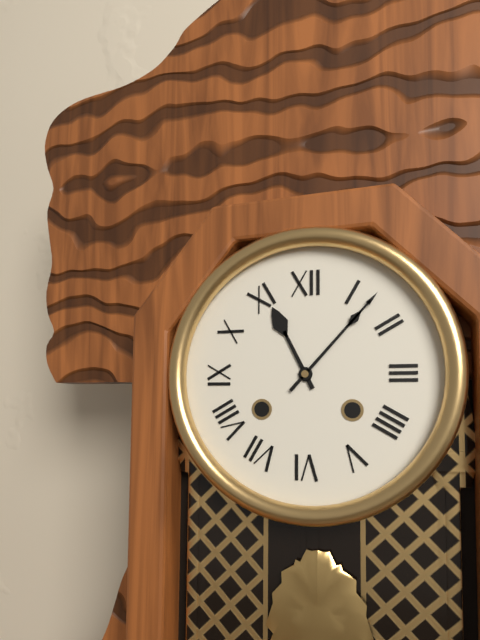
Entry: h=11 m=7
